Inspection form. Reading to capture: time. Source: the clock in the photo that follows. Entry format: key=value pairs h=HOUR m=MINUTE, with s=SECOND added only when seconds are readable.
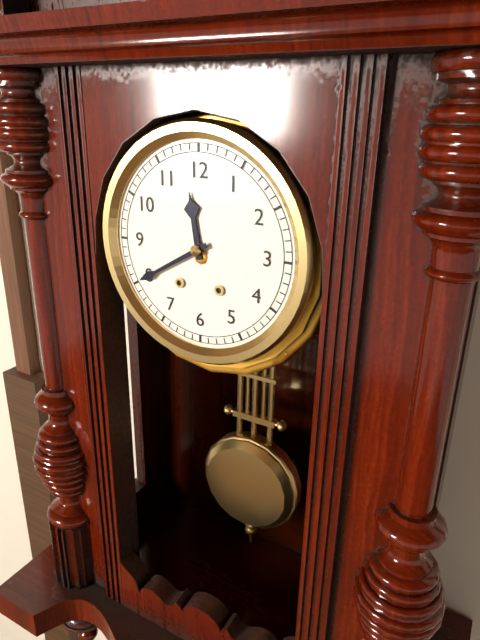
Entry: h=11 m=40
